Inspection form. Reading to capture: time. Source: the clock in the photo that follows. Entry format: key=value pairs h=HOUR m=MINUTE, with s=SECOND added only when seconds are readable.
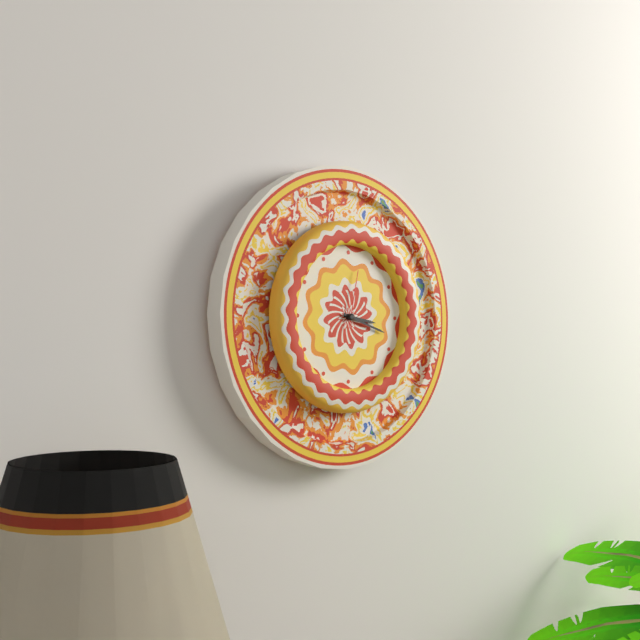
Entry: h=3 m=18 s=2
